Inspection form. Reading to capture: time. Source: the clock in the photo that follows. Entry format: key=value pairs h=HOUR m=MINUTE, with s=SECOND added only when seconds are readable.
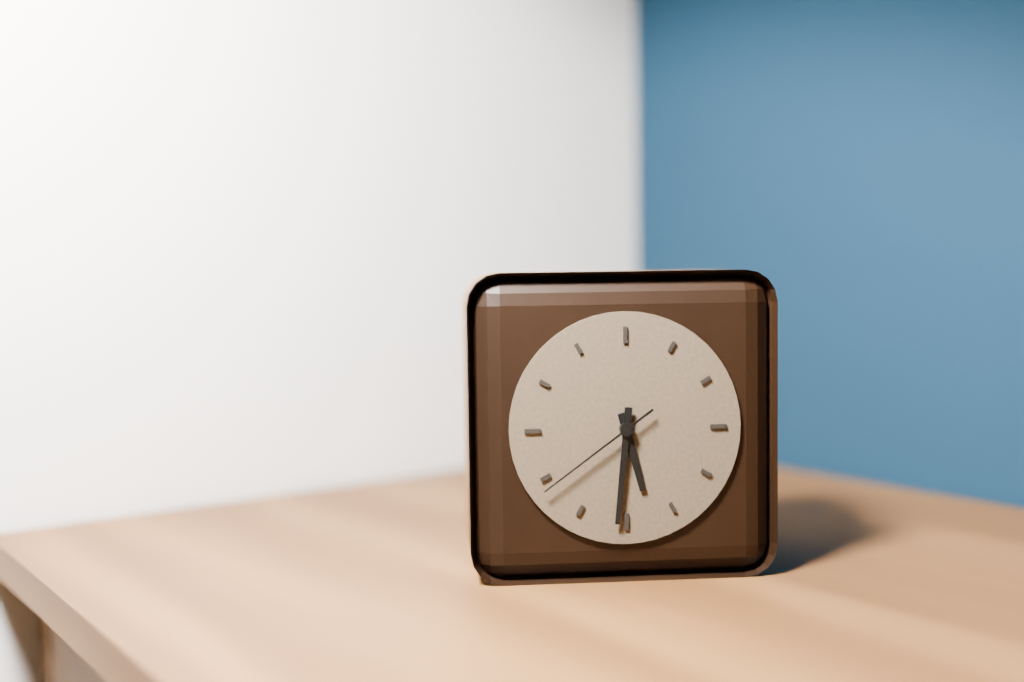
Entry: h=5 m=31 s=39
